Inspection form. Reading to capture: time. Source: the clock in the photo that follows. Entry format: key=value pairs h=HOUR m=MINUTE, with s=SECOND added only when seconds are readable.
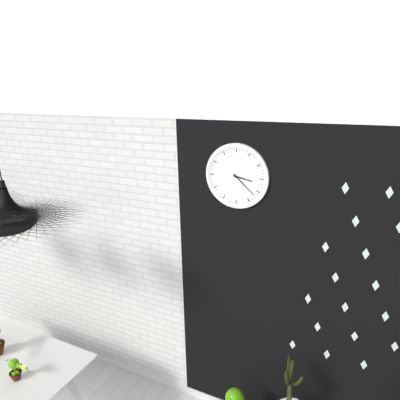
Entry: h=3 m=22
